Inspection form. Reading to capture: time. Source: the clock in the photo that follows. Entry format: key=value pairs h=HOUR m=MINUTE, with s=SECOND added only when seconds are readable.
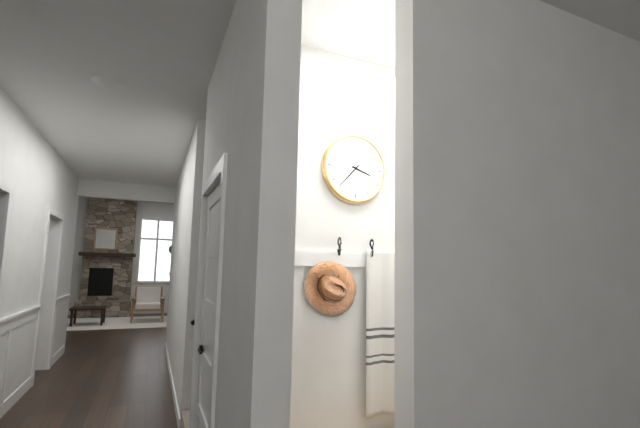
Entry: h=3 m=37
